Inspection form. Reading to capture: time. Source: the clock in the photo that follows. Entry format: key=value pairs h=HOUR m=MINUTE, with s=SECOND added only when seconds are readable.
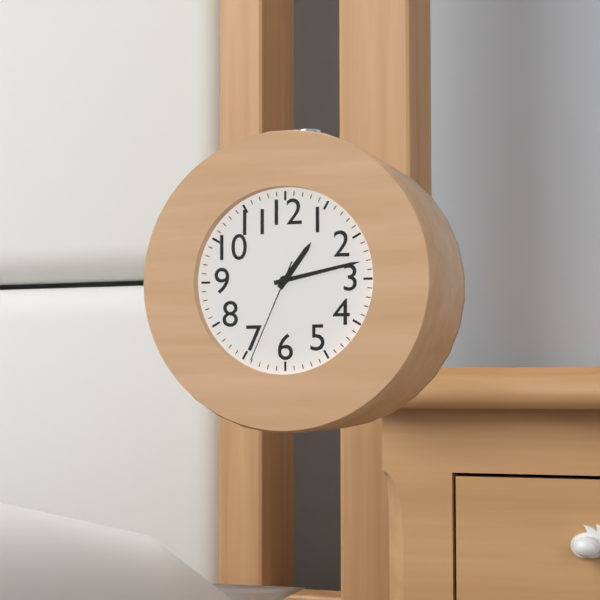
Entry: h=1 m=13 s=34
